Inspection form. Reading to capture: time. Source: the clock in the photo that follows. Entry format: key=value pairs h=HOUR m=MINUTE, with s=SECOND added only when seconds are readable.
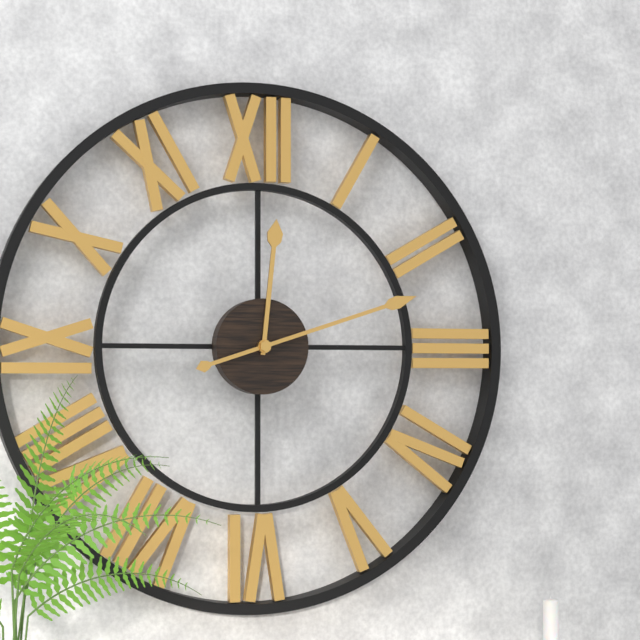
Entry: h=12 m=12
